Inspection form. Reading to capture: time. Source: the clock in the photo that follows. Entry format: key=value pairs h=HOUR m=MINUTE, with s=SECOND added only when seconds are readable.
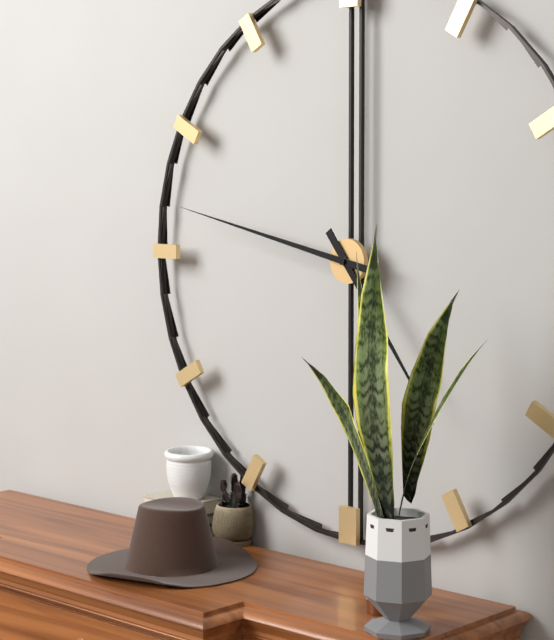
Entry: h=4 m=47
